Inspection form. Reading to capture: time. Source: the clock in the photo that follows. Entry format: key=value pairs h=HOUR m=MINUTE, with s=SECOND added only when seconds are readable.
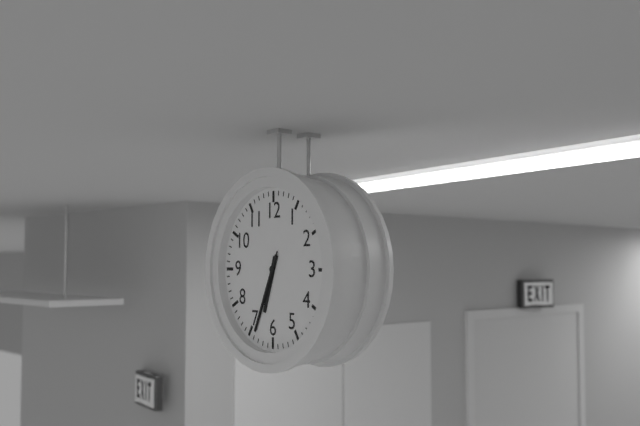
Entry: h=6 m=34 s=34
